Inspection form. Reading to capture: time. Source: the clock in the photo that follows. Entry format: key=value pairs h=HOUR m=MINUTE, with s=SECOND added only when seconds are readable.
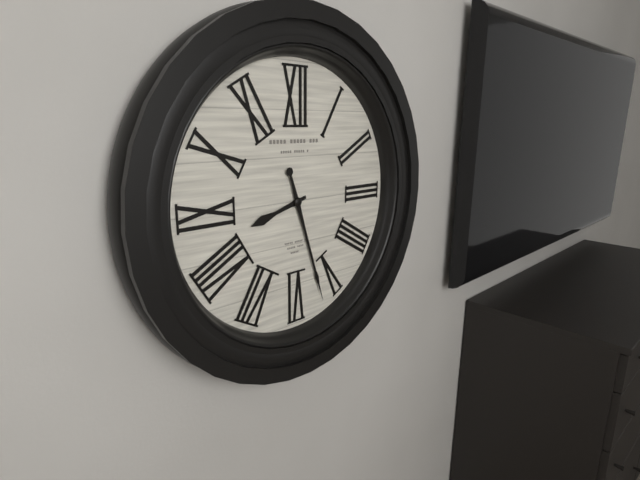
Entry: h=8 m=27
